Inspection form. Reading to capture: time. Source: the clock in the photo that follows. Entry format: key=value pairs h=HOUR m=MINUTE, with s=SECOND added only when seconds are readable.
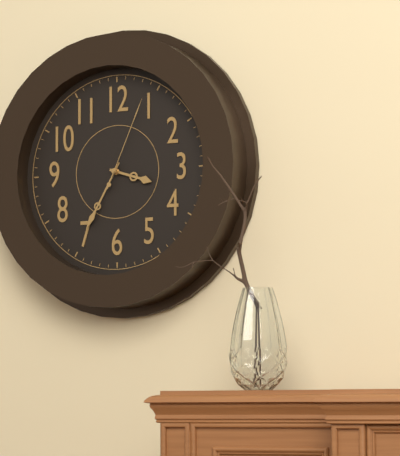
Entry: h=3 m=35 s=4
